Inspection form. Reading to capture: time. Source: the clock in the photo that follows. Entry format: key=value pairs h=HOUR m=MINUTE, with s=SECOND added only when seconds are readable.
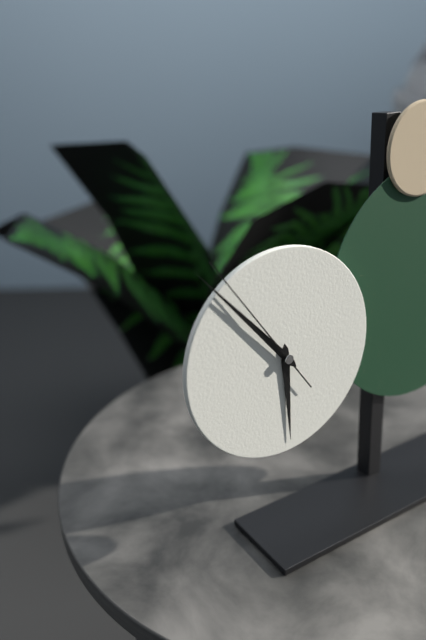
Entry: h=5 m=53 s=54
